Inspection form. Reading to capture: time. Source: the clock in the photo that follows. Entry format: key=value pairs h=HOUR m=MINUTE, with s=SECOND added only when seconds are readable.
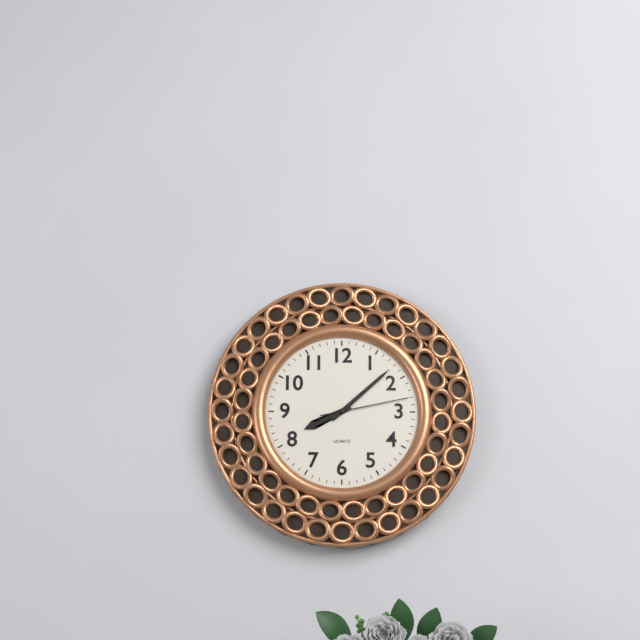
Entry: h=8 m=8 s=13
